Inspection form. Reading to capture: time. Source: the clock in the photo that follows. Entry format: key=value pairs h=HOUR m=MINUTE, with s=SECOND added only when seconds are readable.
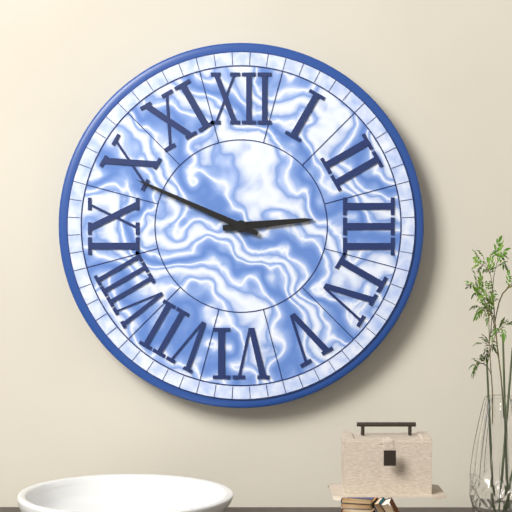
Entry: h=2 m=49
